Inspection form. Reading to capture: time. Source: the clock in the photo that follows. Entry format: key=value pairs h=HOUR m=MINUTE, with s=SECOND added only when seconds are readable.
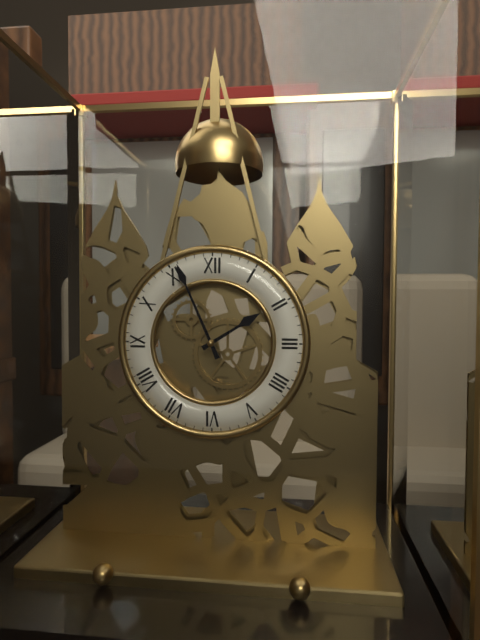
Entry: h=1 m=56
